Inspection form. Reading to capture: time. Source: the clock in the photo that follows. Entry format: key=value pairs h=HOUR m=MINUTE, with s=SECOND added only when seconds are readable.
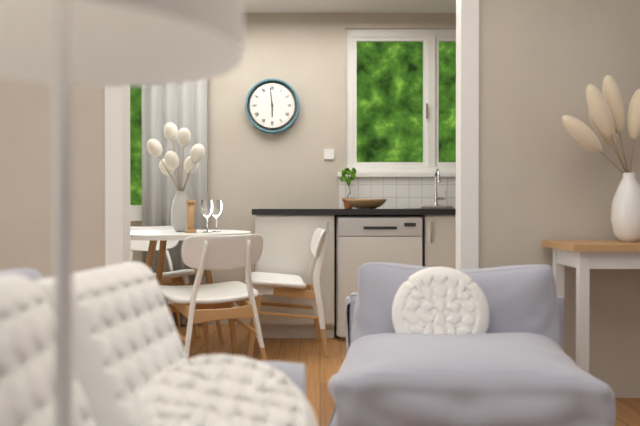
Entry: h=5 m=59
